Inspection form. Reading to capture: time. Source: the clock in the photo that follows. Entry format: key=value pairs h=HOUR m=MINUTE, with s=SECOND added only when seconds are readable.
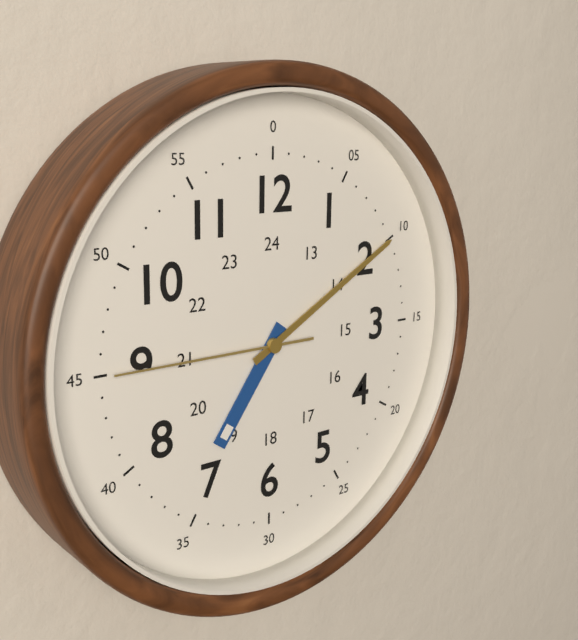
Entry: h=7 m=10 s=45
